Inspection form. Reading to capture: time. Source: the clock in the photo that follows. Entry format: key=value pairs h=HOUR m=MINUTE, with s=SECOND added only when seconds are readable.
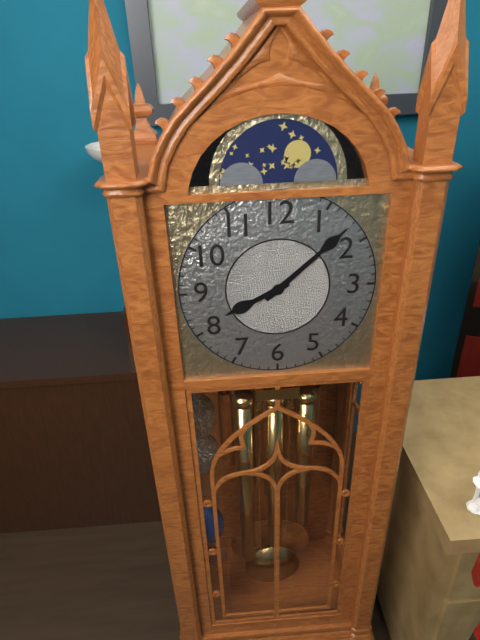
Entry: h=8 m=8
